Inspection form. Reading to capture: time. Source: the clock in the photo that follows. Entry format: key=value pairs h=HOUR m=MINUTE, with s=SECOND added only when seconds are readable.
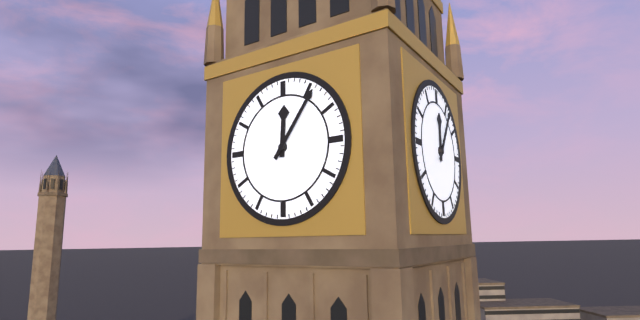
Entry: h=12 m=6
